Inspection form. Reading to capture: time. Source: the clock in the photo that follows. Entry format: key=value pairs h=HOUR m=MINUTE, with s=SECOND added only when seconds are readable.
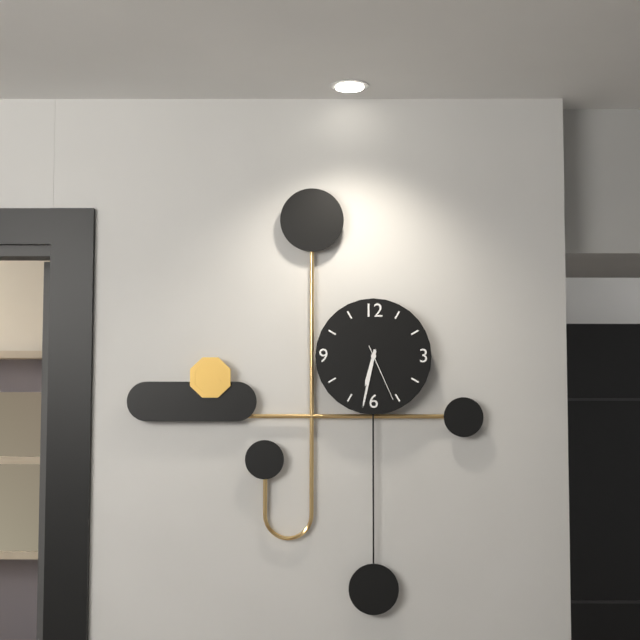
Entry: h=6 m=32 s=26
